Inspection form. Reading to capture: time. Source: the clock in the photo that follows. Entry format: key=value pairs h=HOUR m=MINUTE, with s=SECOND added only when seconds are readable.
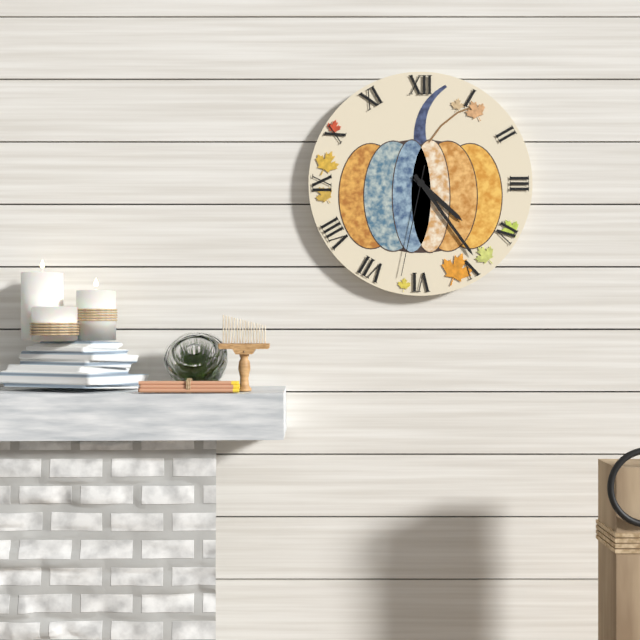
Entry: h=4 m=24 s=32
